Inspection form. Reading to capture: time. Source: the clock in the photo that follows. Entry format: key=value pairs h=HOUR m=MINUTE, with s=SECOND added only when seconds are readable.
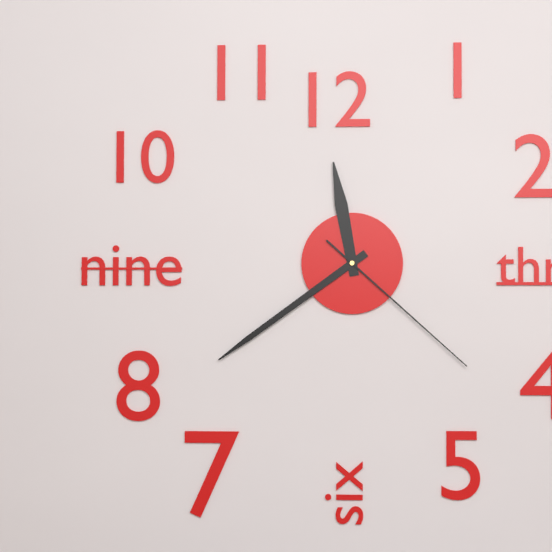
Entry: h=11 m=39 s=22
